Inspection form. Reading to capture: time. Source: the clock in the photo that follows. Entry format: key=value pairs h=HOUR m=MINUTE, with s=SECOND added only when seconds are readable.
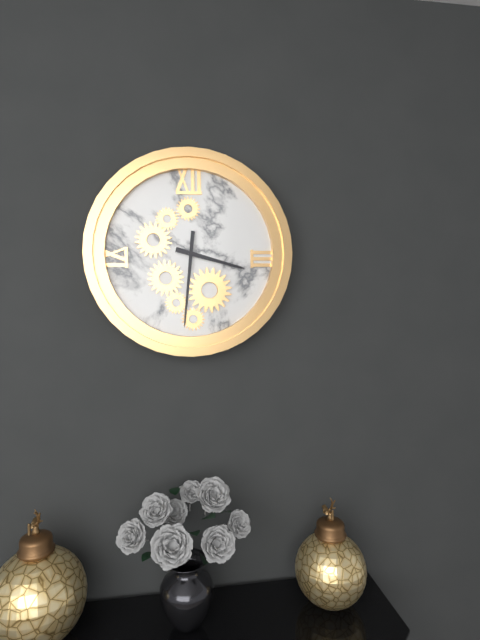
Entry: h=3 m=31
